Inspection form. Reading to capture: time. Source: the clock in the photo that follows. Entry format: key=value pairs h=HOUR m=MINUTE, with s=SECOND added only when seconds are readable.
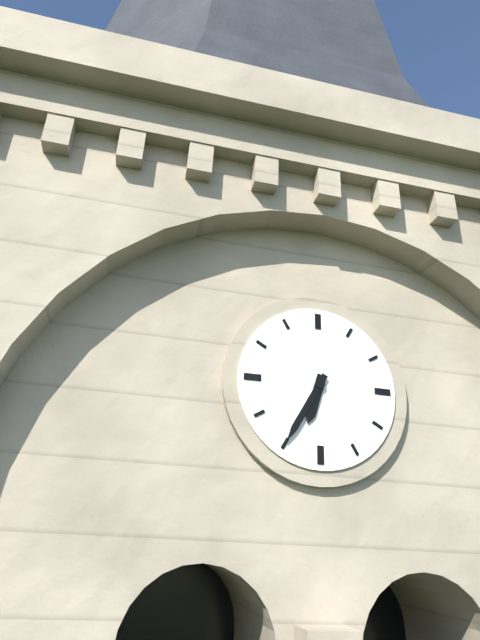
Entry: h=6 m=35
